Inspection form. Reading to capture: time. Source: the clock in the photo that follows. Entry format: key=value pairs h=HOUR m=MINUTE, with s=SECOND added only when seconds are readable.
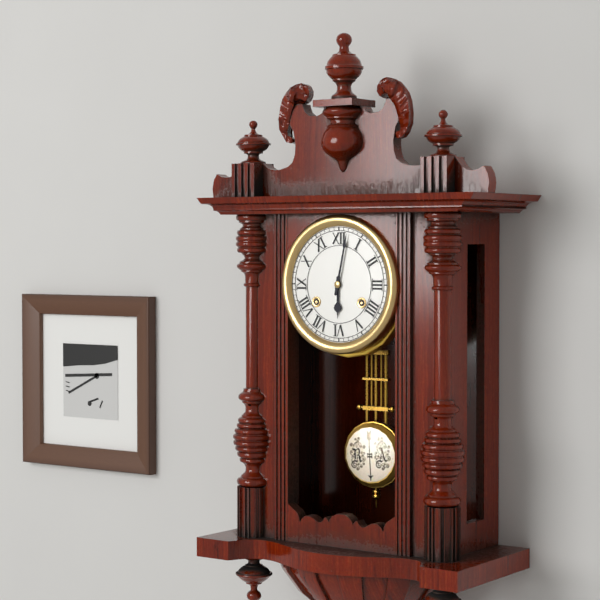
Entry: h=6 m=2
